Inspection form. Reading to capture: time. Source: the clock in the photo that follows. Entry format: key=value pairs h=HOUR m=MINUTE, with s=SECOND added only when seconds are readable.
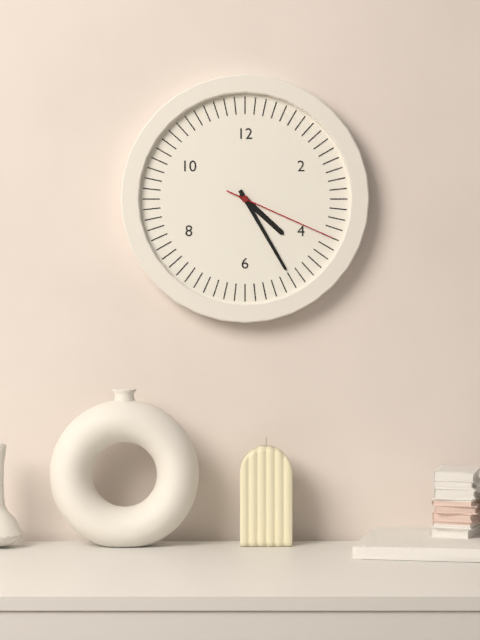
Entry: h=4 m=25 s=19
